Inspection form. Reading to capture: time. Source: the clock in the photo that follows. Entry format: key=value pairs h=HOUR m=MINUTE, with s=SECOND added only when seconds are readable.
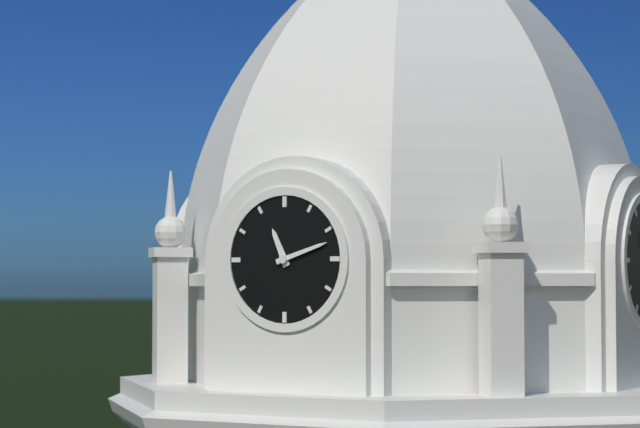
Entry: h=11 m=12
